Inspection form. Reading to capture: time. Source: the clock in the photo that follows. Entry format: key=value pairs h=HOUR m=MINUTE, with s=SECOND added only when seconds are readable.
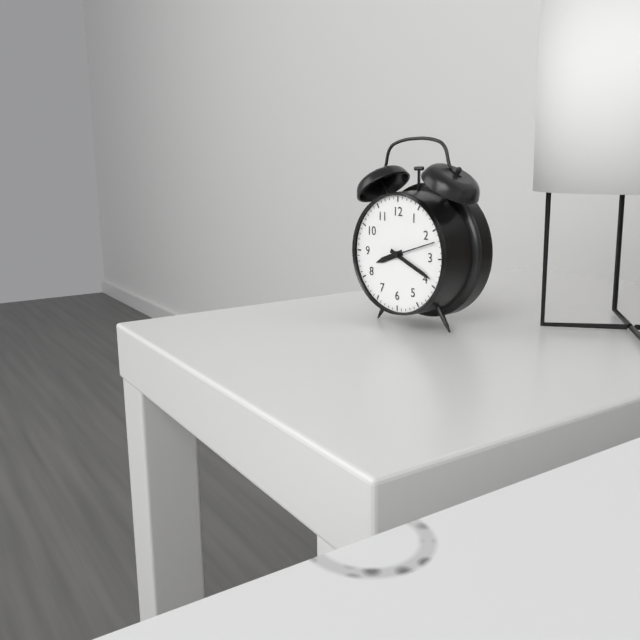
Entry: h=8 m=19 s=12
